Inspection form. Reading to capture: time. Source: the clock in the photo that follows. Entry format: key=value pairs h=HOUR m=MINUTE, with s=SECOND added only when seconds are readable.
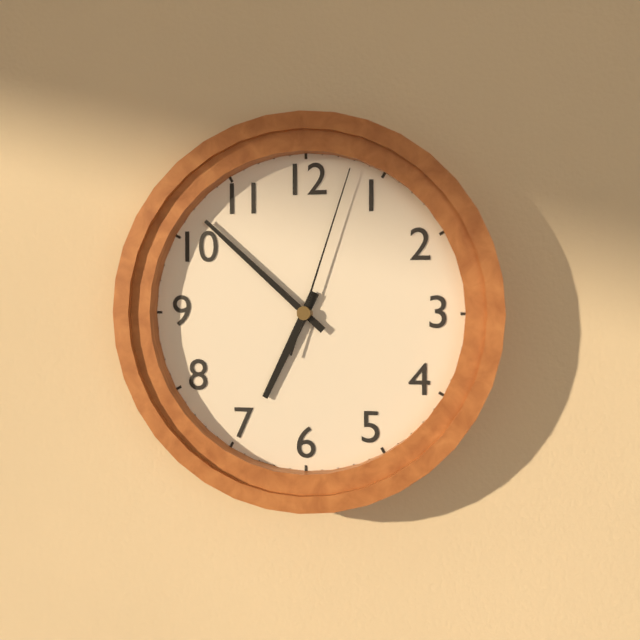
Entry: h=6 m=52 s=3
